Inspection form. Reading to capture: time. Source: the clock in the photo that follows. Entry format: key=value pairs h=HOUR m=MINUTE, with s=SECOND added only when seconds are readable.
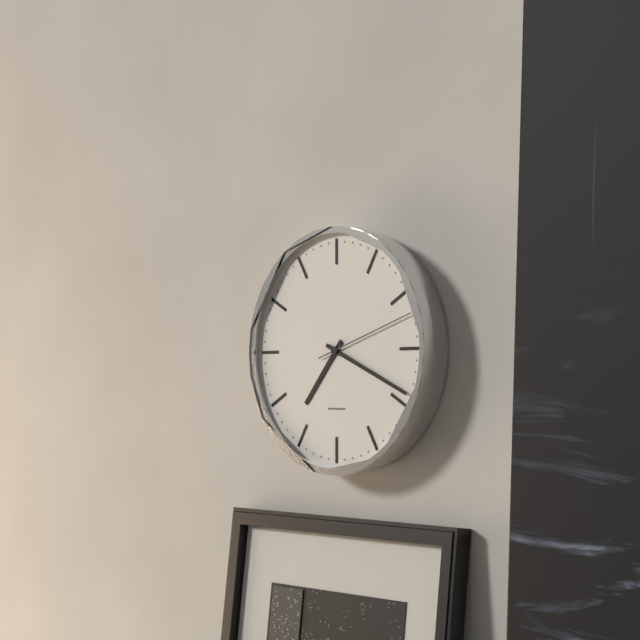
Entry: h=7 m=19 s=12
